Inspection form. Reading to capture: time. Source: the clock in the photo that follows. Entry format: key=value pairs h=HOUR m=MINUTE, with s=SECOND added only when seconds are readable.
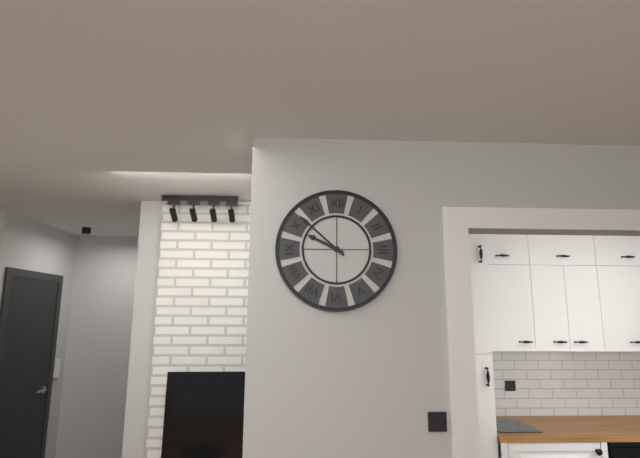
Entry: h=9 m=52
